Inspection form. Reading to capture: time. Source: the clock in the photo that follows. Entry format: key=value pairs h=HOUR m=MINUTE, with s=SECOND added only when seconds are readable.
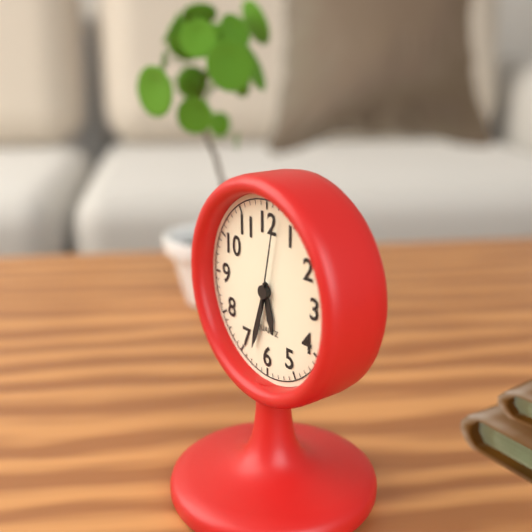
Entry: h=5 m=33 s=2
